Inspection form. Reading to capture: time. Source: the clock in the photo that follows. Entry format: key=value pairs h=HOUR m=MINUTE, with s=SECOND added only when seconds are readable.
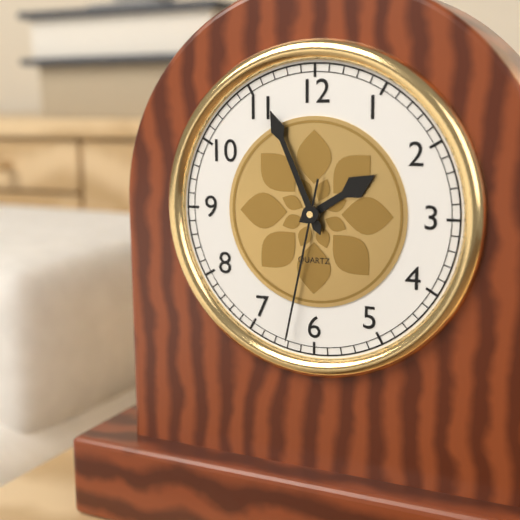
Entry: h=1 m=56 s=32
